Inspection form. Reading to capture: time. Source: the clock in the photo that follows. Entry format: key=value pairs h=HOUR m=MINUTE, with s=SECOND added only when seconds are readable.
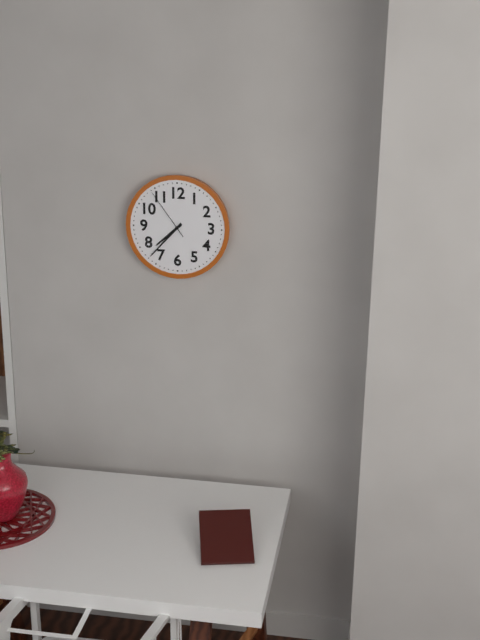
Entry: h=7 m=37 s=54
